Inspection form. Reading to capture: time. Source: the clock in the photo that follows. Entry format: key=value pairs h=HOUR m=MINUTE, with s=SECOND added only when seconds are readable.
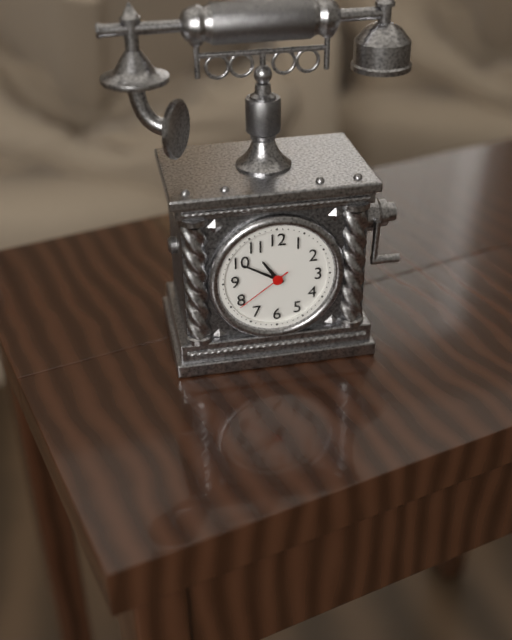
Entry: h=10 m=50 s=39
